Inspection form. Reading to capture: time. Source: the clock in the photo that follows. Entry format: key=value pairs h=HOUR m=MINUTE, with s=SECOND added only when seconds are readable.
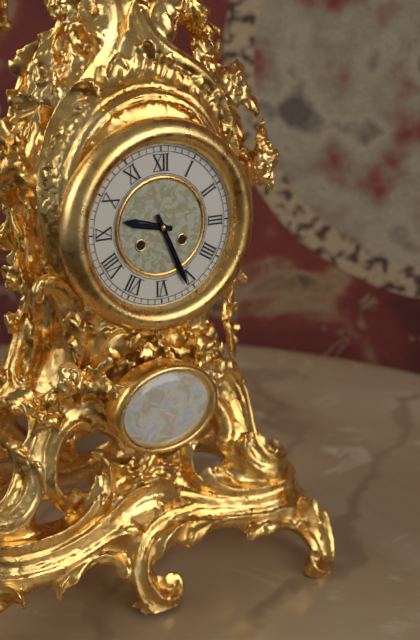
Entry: h=9 m=26
